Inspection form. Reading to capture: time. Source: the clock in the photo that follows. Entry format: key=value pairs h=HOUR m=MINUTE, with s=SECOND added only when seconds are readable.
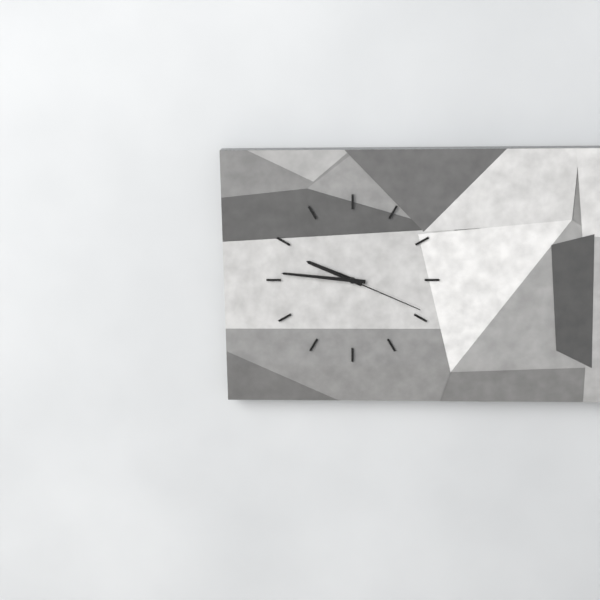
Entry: h=9 m=46 s=19
